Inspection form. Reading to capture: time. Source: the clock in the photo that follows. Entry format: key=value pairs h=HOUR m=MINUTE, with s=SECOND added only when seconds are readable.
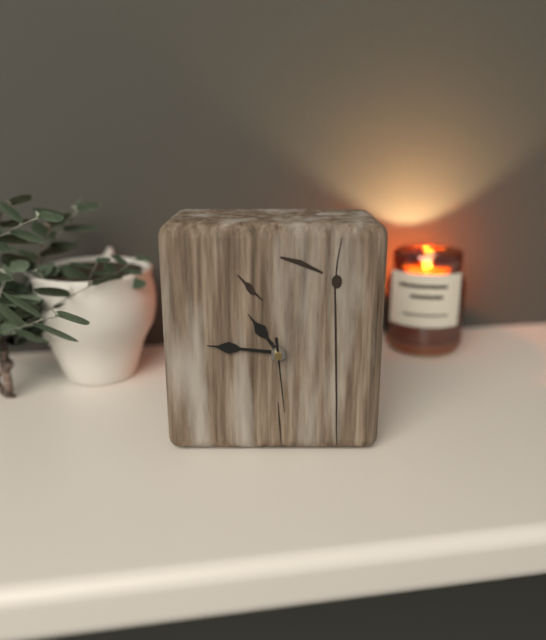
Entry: h=10 m=46 s=29
